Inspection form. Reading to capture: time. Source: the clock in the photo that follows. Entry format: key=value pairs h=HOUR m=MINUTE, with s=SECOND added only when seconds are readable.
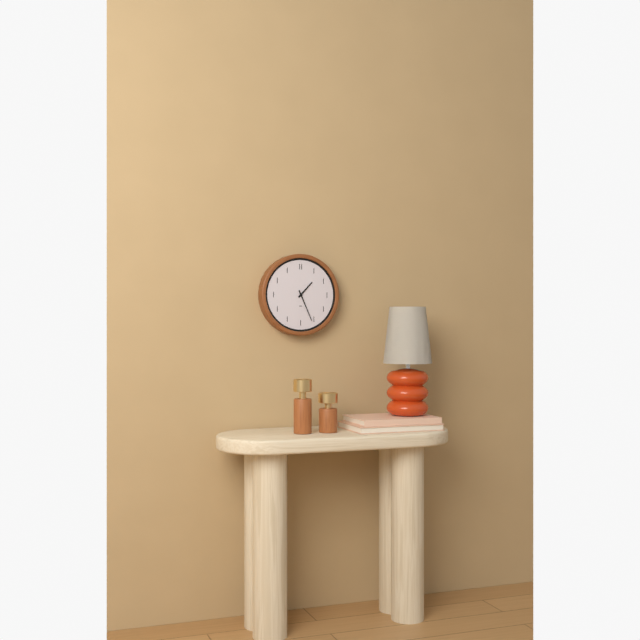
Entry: h=1 m=26
